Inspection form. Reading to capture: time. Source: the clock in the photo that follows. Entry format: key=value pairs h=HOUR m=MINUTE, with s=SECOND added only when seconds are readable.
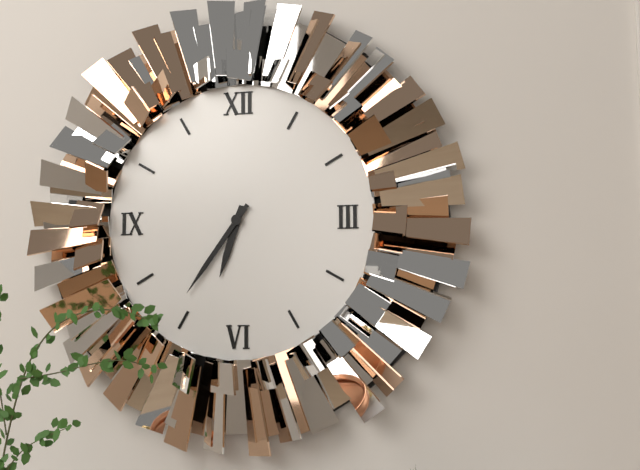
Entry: h=6 m=36
